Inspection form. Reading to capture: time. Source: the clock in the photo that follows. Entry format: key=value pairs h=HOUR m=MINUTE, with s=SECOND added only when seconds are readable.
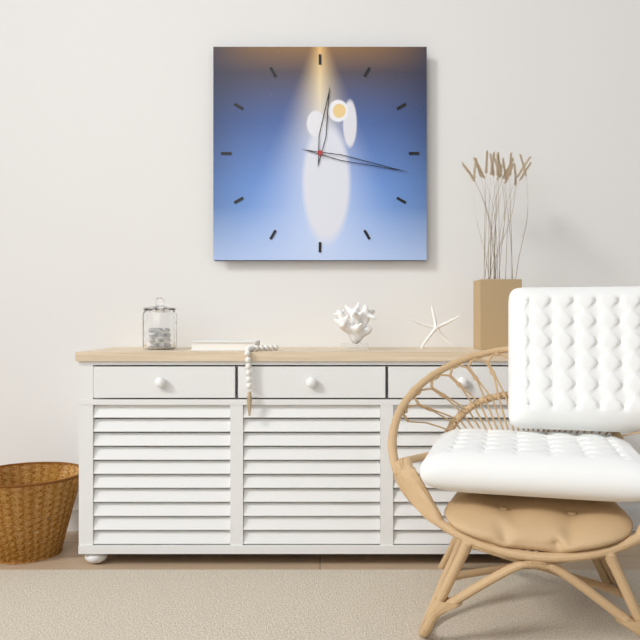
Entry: h=12 m=17
